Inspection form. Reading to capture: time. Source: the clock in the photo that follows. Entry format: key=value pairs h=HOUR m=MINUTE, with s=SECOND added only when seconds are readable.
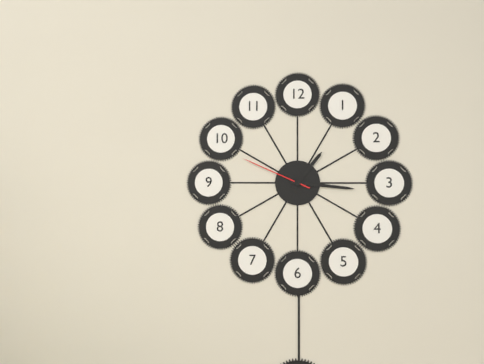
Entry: h=1 m=16 s=49
